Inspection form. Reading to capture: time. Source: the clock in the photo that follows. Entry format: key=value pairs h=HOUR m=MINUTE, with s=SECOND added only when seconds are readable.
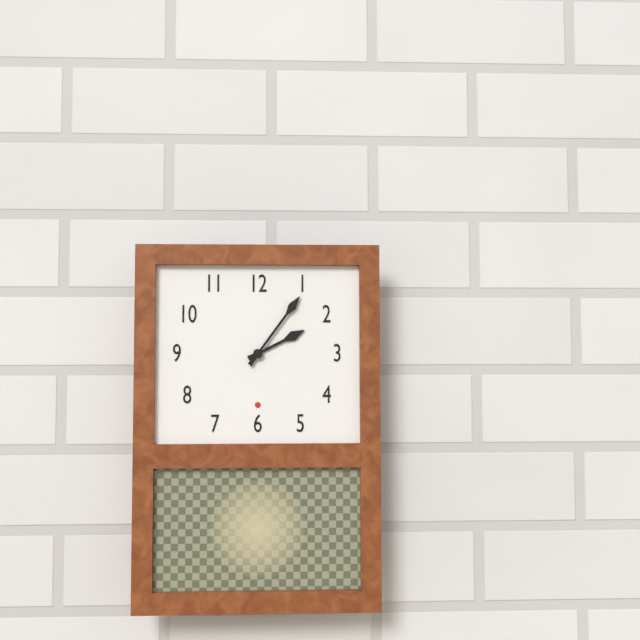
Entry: h=2 m=6
